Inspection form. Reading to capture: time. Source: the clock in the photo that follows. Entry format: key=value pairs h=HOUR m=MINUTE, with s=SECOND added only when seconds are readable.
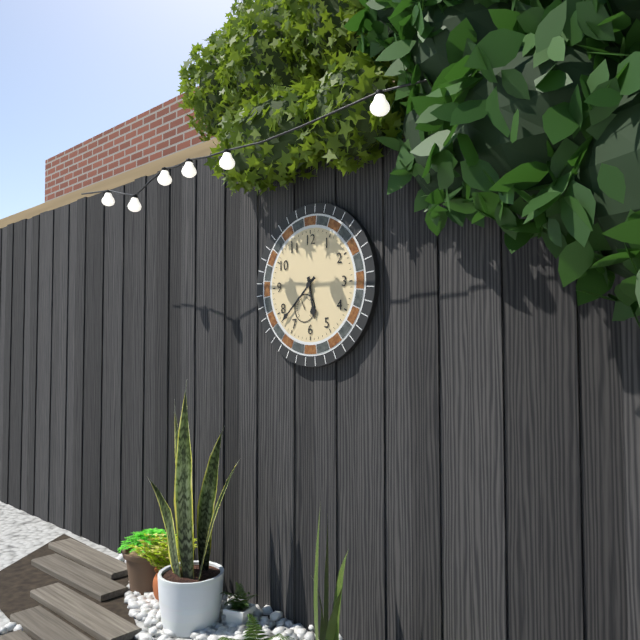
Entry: h=5 m=38
